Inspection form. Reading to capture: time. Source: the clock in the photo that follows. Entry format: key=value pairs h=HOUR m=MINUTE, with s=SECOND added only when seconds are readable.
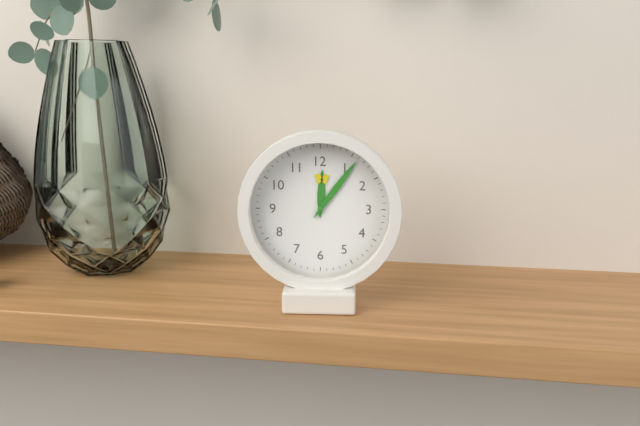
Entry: h=12 m=6
